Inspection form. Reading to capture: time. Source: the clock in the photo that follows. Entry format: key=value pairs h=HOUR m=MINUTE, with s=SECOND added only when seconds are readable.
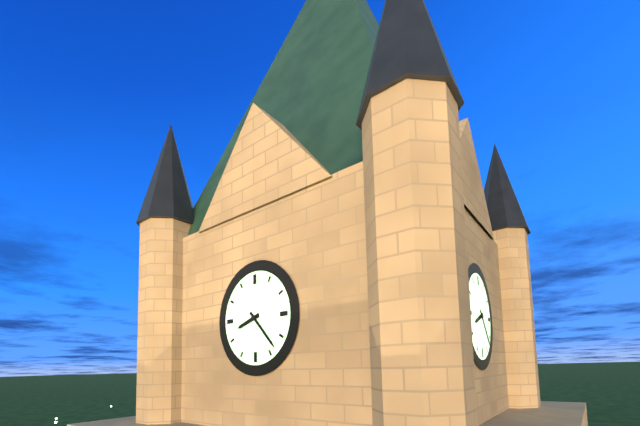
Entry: h=8 m=23
